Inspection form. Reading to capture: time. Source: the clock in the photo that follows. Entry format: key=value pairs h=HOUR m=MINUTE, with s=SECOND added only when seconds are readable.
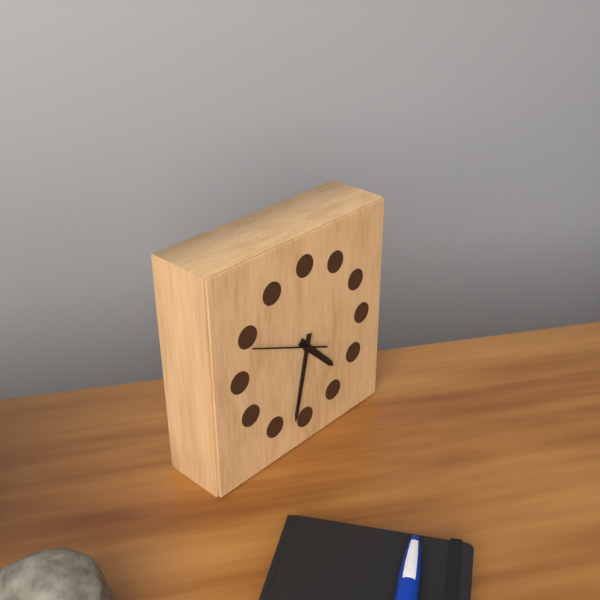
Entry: h=4 m=32 s=49
